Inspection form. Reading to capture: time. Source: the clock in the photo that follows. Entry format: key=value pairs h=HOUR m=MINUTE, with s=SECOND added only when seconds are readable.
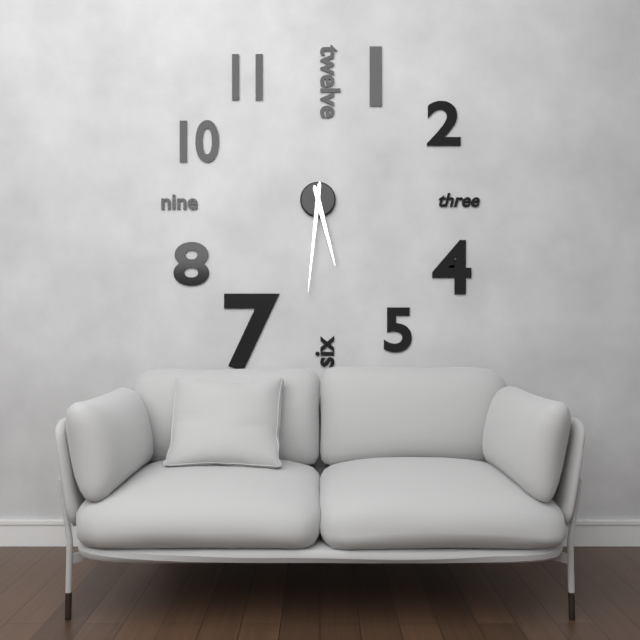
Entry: h=5 m=31
